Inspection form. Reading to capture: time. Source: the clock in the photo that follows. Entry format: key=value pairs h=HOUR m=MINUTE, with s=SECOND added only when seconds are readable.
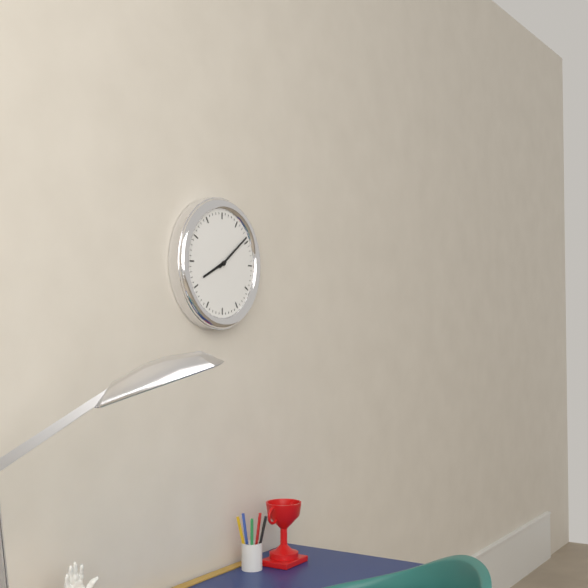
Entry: h=8 m=9
